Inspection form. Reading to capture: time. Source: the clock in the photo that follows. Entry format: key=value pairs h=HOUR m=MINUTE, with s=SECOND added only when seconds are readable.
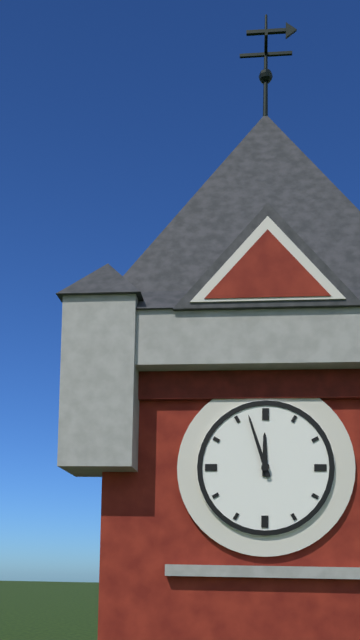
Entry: h=11 m=57
